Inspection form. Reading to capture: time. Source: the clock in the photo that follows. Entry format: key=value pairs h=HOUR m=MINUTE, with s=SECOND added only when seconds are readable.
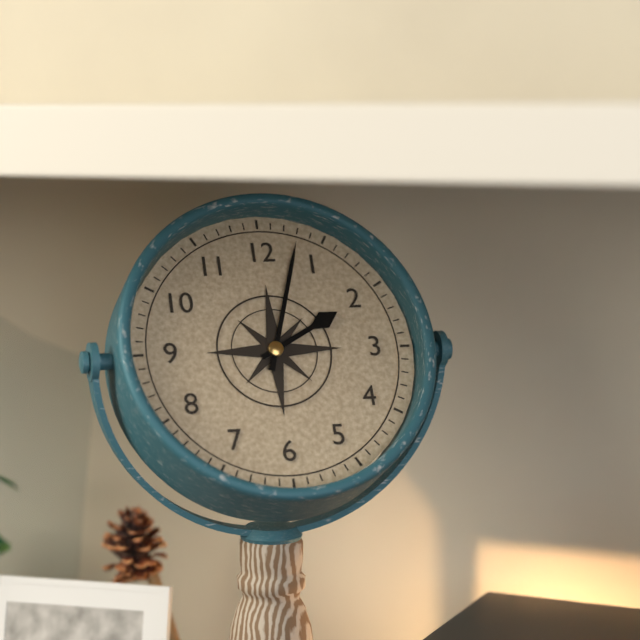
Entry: h=2 m=3
